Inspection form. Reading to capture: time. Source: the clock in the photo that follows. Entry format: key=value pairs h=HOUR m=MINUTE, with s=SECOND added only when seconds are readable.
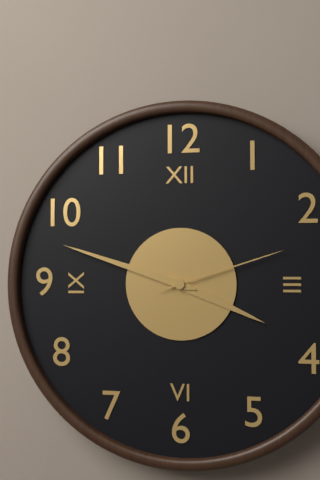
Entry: h=3 m=48 s=12
